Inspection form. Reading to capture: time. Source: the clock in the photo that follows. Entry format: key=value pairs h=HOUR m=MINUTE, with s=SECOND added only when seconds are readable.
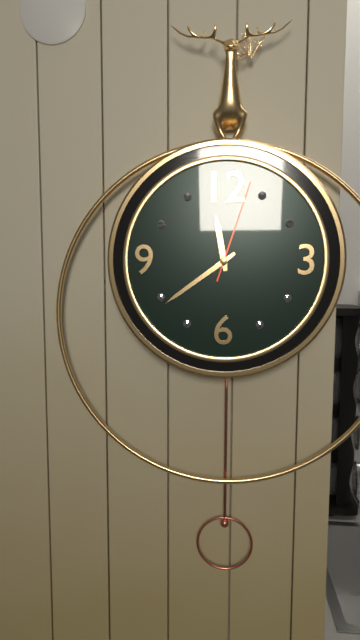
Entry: h=11 m=39 s=3
